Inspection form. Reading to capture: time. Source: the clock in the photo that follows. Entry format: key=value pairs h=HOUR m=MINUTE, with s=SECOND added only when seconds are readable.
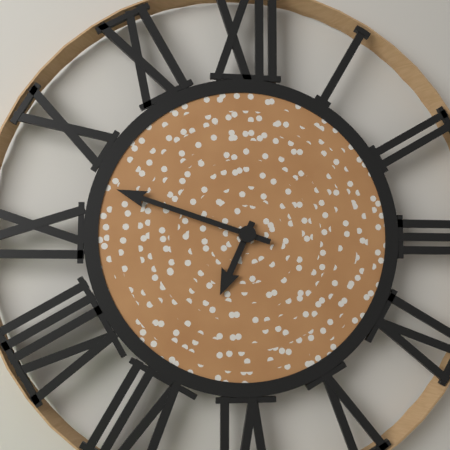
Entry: h=6 m=48
